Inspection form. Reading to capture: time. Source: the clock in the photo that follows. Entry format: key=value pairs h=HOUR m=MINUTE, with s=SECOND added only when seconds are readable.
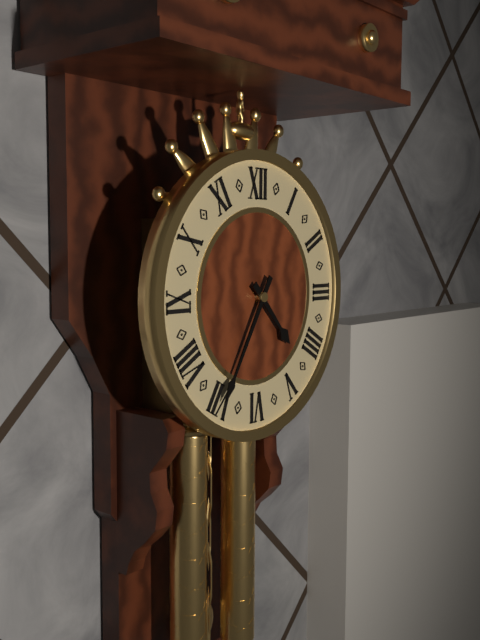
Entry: h=4 m=35
